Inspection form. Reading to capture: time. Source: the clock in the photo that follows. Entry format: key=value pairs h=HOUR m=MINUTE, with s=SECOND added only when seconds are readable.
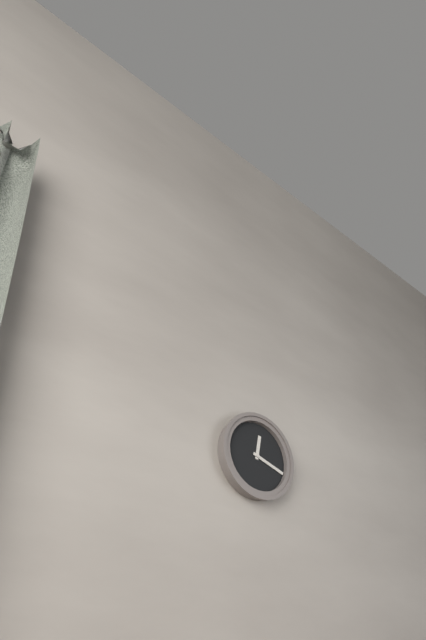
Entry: h=12 m=18
